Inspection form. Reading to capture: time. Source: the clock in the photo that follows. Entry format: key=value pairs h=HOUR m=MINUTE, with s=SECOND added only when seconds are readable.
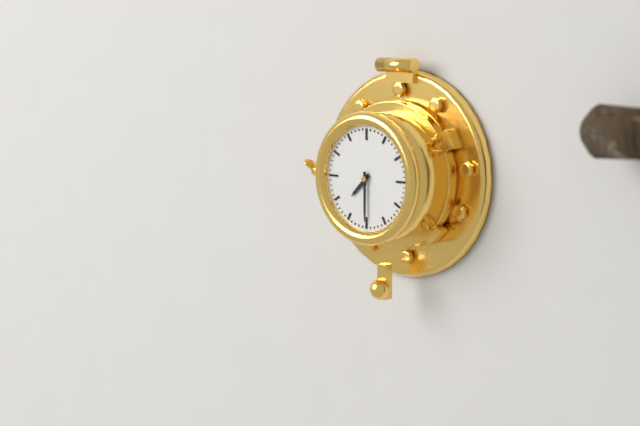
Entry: h=7 m=30
